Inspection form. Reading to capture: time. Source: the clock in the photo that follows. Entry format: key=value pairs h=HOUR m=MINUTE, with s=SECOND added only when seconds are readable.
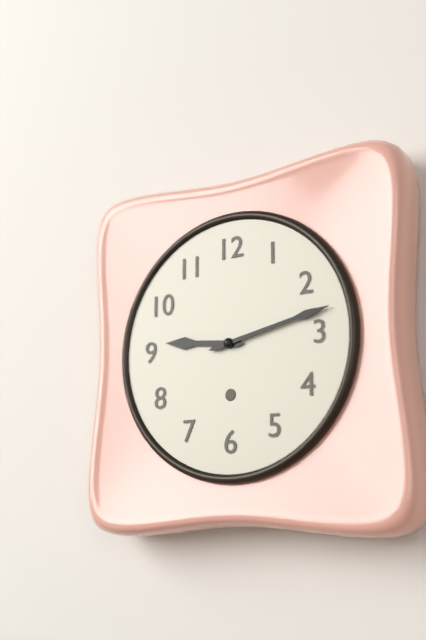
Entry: h=9 m=13
